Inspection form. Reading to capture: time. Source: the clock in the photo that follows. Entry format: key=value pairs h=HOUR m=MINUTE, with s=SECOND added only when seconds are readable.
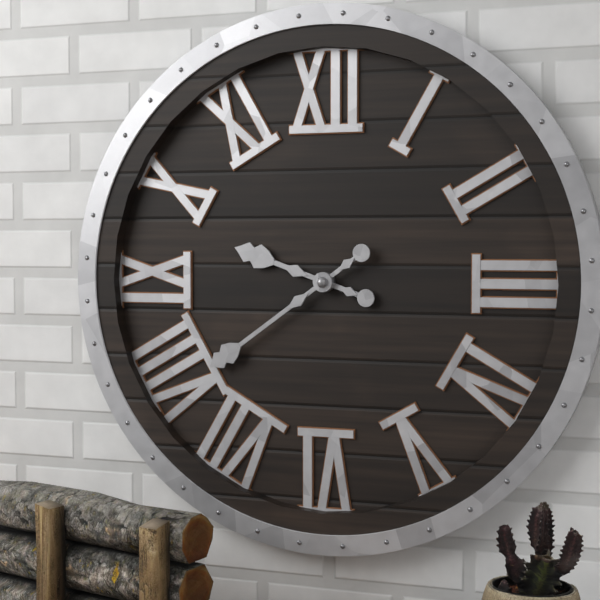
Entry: h=9 m=39
